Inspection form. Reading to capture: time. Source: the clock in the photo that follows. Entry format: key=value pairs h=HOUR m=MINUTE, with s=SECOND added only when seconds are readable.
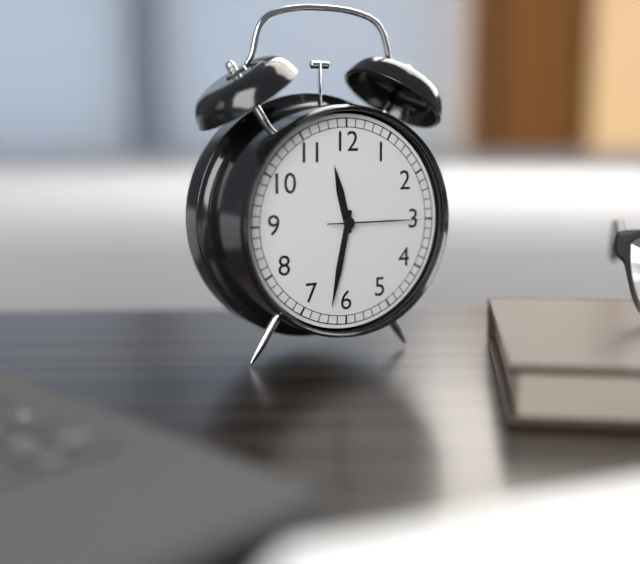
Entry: h=11 m=32 s=15
